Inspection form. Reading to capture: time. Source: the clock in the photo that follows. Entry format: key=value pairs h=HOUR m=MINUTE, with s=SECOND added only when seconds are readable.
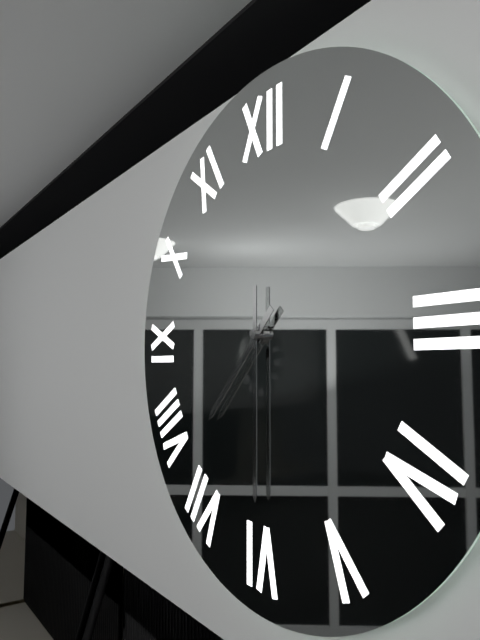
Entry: h=7 m=30
